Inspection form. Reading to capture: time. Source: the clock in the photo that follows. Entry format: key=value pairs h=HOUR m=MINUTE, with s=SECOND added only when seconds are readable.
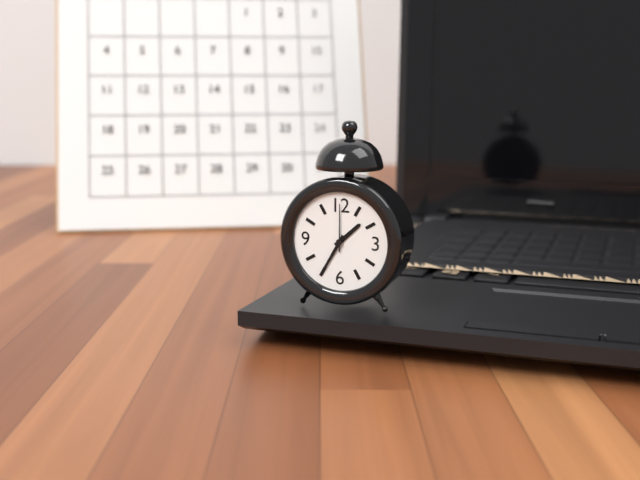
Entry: h=1 m=35
